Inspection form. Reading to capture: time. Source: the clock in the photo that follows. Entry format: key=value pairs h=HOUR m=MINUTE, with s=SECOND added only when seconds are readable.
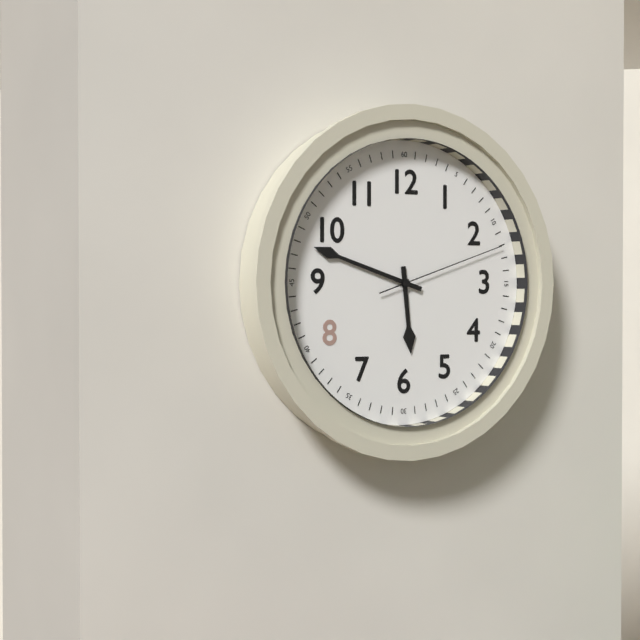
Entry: h=5 m=48 s=12
